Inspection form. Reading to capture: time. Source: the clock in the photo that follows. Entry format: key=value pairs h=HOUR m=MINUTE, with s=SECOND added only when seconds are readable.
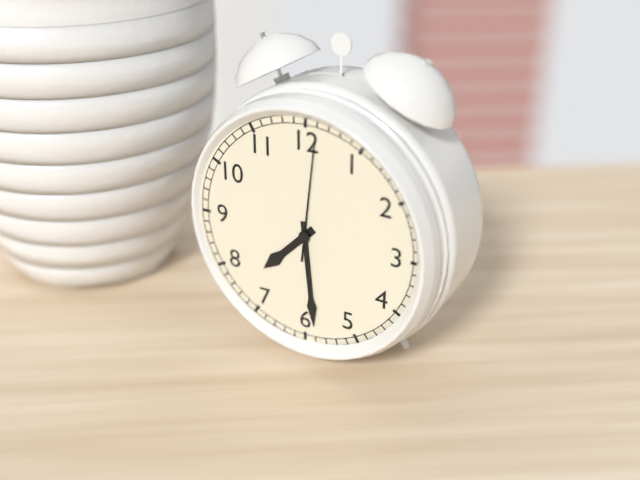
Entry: h=7 m=29 s=1
